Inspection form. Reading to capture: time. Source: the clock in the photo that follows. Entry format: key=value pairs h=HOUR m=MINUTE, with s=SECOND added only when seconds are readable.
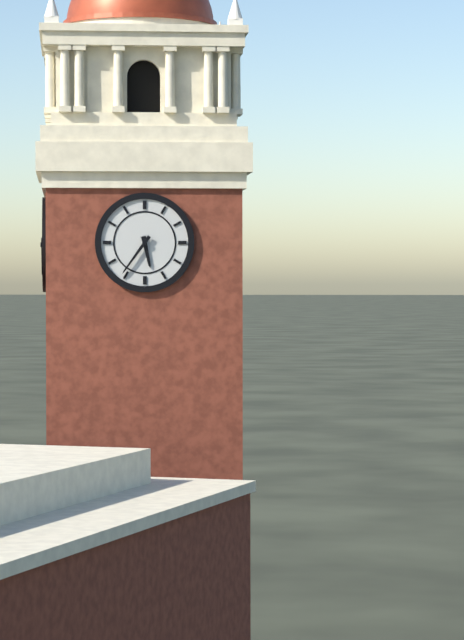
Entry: h=5 m=36
